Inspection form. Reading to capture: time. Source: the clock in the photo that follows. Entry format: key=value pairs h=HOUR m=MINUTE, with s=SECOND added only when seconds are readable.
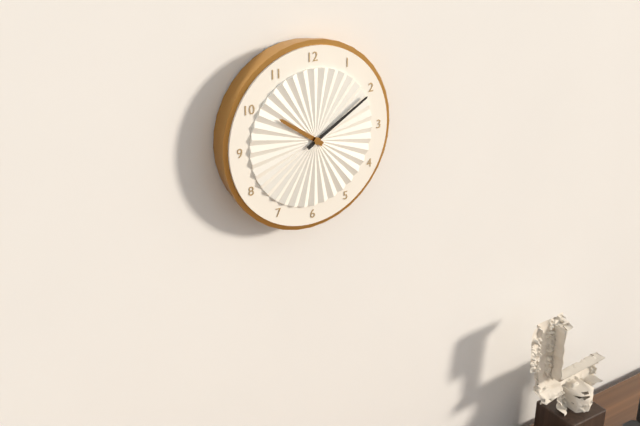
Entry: h=10 m=10
